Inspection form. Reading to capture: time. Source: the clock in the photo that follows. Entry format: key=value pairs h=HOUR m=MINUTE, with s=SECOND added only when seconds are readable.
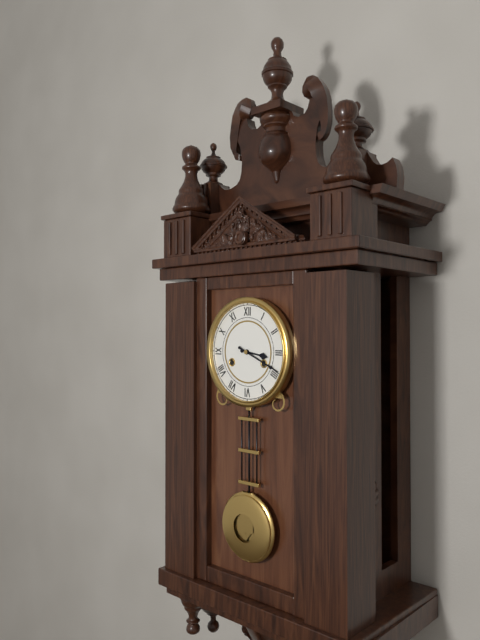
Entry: h=3 m=19
